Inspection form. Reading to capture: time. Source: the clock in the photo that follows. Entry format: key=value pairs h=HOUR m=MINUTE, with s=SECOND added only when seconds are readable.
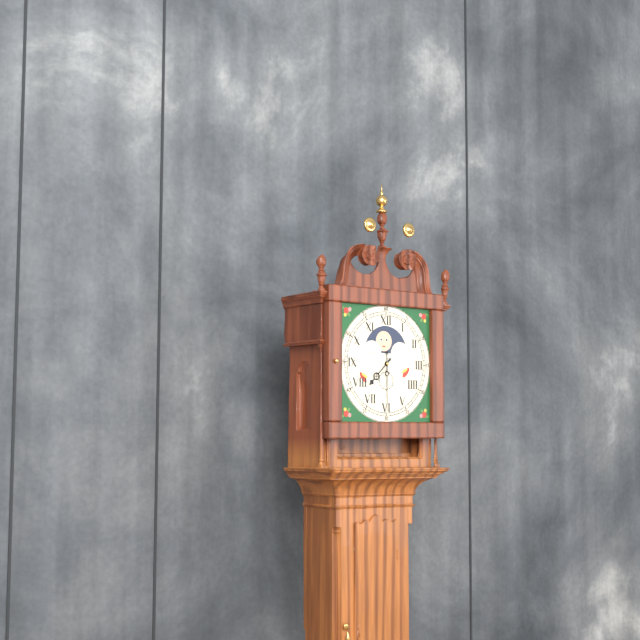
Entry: h=7 m=30
